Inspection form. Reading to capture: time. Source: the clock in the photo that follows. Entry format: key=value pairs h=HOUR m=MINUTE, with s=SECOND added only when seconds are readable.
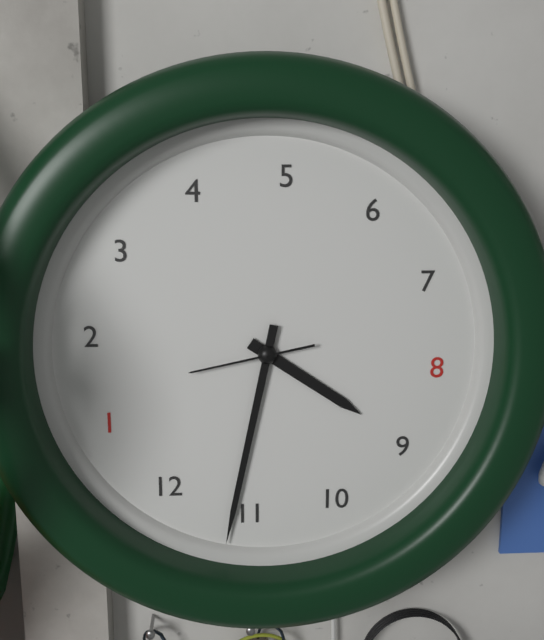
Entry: h=8 m=56 s=7
